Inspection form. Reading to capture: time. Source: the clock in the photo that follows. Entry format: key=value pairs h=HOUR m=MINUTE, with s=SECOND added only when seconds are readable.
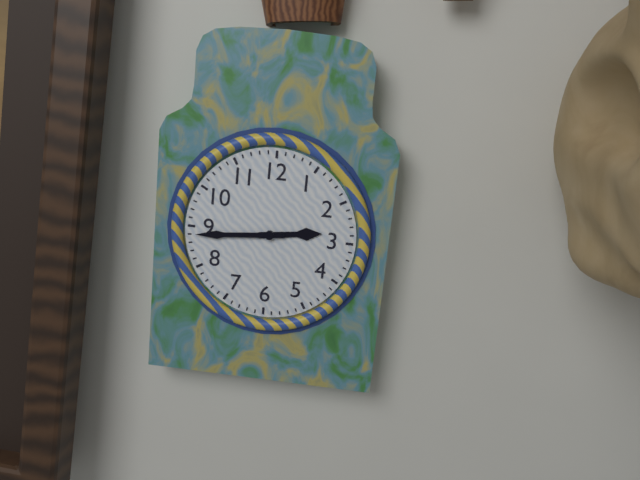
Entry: h=2 m=44
